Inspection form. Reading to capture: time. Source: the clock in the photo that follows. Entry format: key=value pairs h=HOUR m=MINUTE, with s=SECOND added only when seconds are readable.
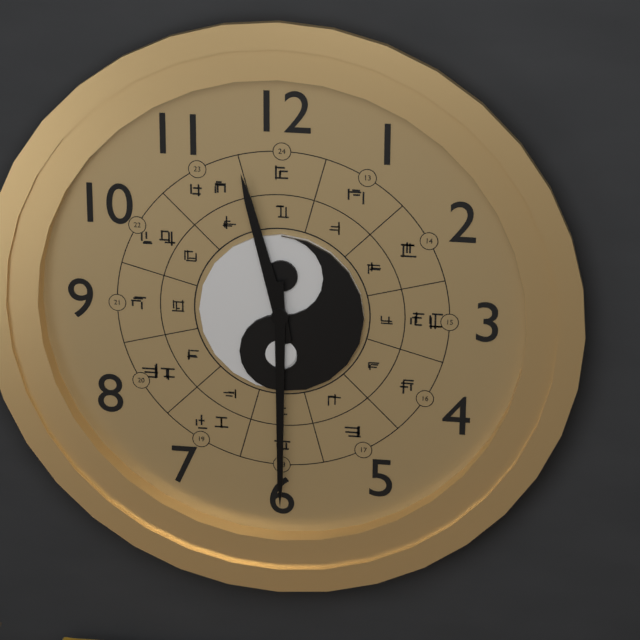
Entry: h=11 m=30
